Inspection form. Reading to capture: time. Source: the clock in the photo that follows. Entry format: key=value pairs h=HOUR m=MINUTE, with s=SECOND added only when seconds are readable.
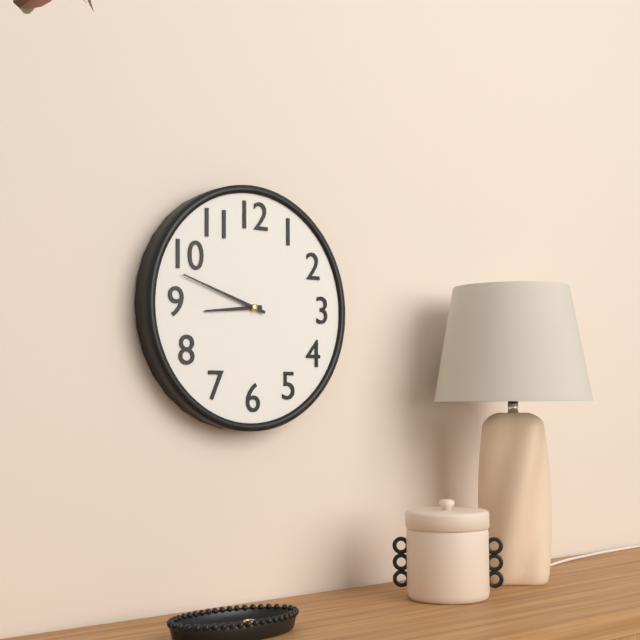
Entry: h=8 m=48
